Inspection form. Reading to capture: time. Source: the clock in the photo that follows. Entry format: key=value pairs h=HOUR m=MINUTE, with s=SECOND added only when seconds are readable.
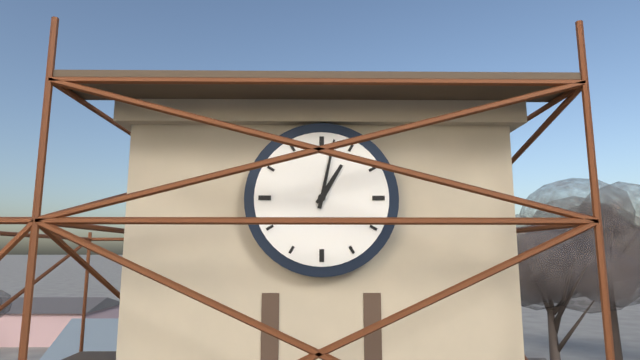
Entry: h=1 m=2
